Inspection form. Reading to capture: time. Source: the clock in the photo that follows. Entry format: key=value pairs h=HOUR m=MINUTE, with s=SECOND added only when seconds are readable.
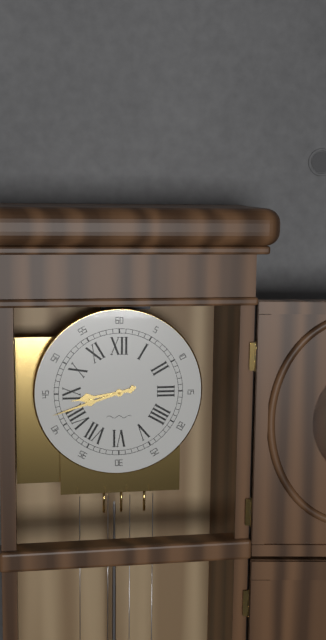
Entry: h=8 m=42
